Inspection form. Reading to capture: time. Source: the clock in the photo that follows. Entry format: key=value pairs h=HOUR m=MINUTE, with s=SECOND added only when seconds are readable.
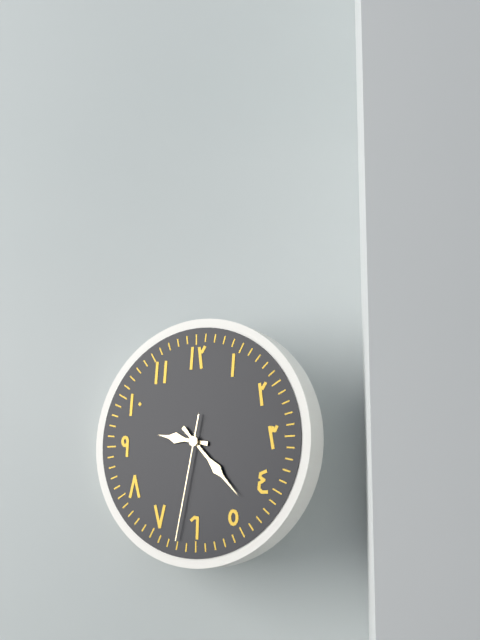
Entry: h=9 m=23 s=32
